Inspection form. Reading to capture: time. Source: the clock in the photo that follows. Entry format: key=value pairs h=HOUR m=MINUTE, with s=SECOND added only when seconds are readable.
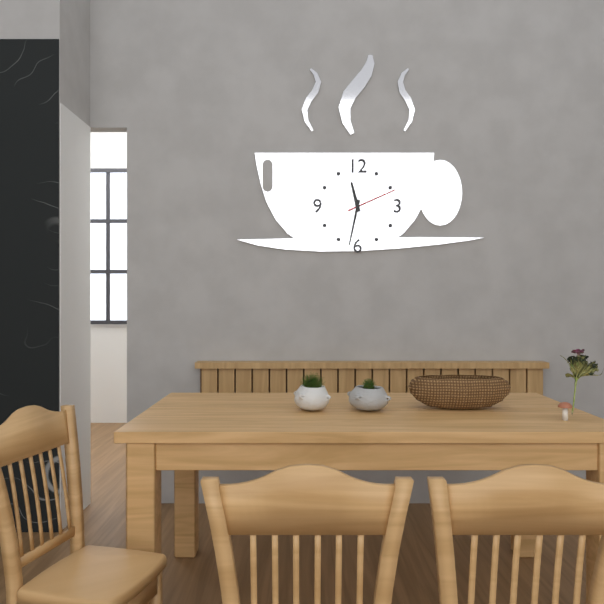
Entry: h=11 m=32 s=11
